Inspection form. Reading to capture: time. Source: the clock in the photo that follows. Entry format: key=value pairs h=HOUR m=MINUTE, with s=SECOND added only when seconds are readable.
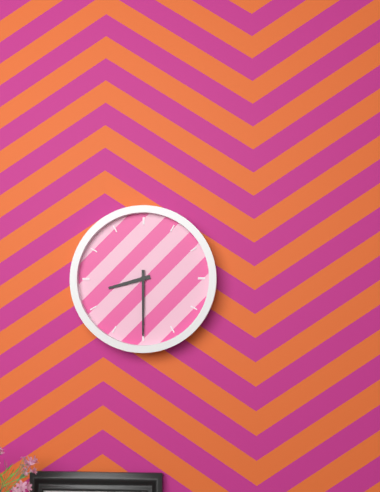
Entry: h=8 m=30
